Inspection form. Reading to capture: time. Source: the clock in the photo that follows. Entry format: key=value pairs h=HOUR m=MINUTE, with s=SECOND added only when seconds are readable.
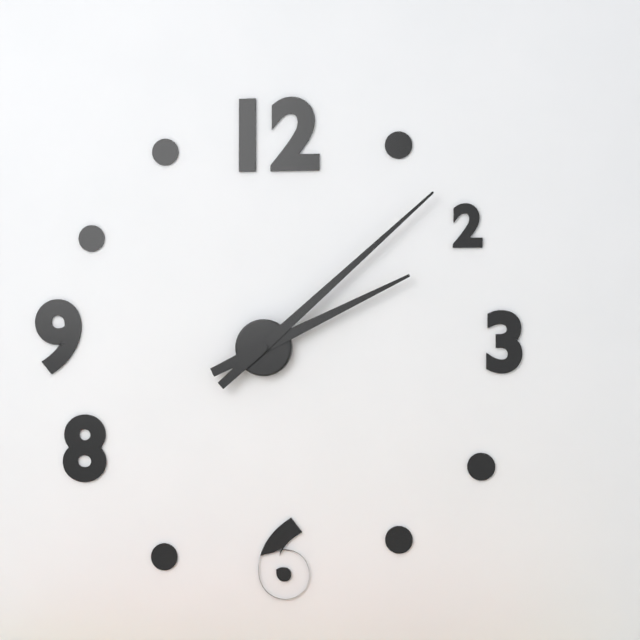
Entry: h=2 m=8
